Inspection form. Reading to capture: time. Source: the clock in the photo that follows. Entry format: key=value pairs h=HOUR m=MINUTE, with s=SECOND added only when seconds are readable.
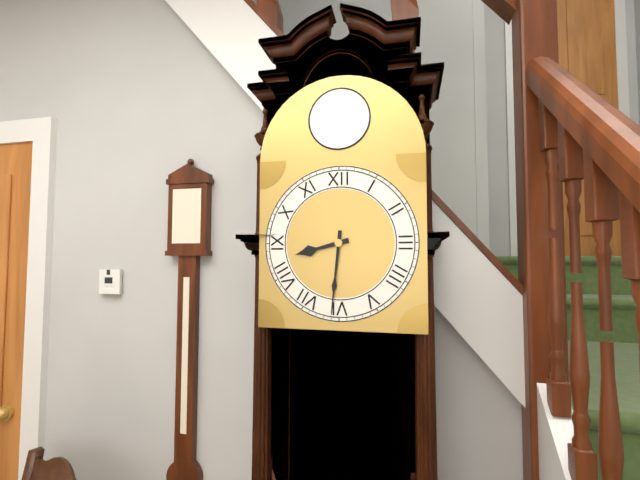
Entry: h=8 m=31
